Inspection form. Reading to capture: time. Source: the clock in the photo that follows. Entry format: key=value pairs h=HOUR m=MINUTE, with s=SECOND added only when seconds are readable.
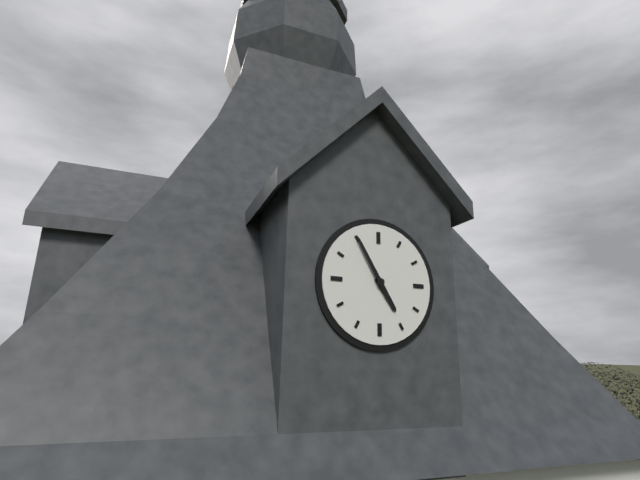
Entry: h=4 m=55
